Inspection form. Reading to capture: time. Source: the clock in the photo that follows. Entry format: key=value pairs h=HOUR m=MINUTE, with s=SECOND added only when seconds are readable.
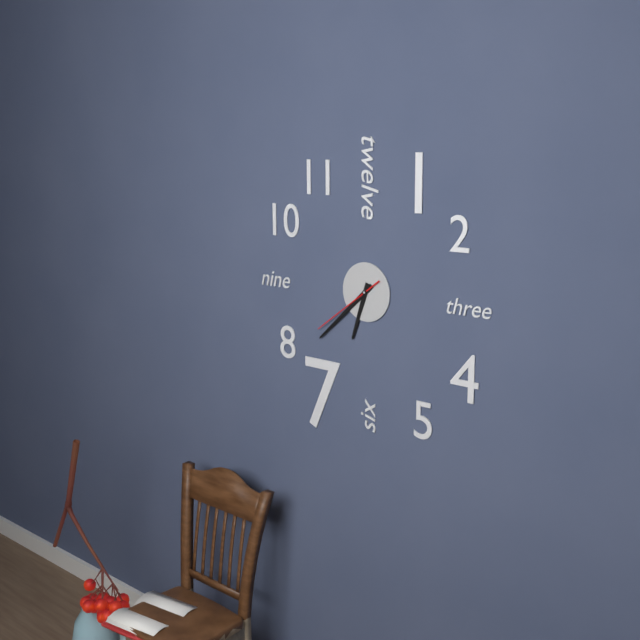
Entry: h=6 m=38 s=39
